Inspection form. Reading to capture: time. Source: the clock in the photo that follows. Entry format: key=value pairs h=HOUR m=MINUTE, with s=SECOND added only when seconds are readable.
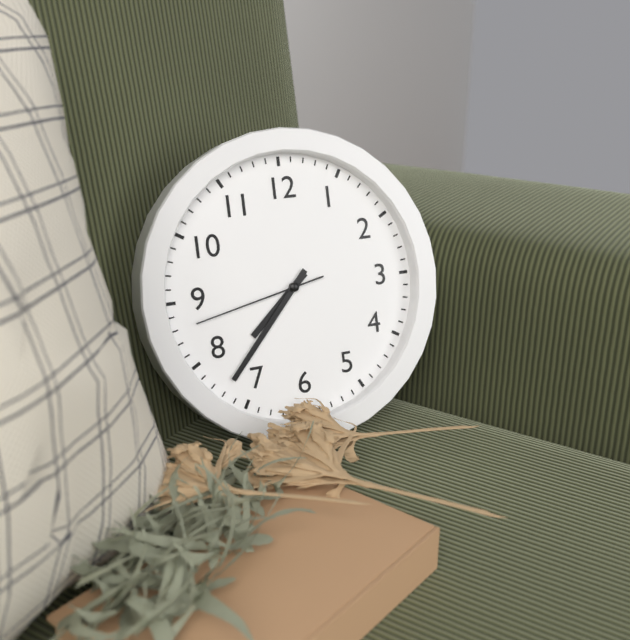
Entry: h=7 m=37 s=43
